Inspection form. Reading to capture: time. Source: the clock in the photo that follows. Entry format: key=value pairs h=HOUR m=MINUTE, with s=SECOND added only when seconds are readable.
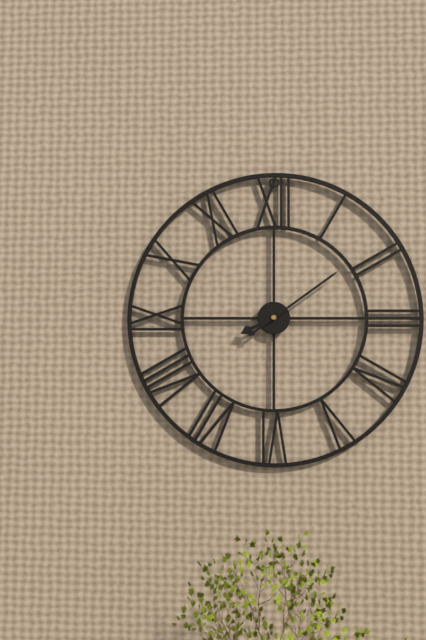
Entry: h=8 m=9
